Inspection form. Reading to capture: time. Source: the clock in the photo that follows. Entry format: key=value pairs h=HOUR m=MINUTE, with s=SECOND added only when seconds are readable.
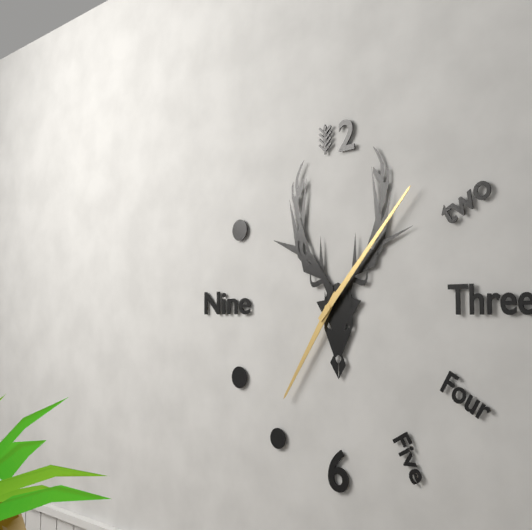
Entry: h=7 m=7
